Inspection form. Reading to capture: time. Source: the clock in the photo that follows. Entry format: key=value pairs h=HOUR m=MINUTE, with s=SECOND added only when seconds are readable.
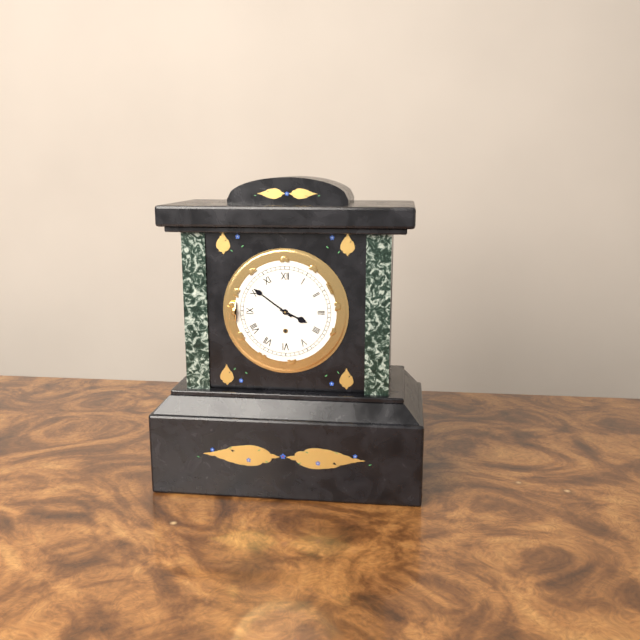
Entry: h=3 m=51
